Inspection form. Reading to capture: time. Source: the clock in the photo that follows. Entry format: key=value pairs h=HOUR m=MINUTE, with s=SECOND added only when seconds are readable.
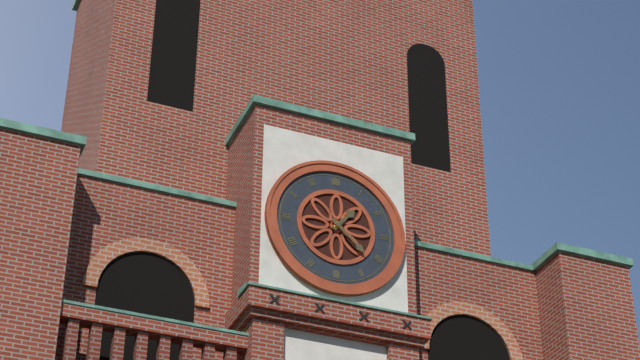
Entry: h=1 m=22
